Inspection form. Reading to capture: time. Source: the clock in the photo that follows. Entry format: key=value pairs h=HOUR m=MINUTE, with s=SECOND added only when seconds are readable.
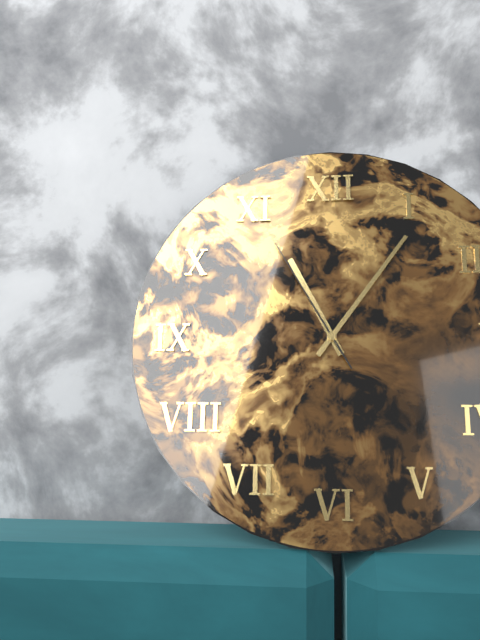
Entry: h=11 m=6 s=55
